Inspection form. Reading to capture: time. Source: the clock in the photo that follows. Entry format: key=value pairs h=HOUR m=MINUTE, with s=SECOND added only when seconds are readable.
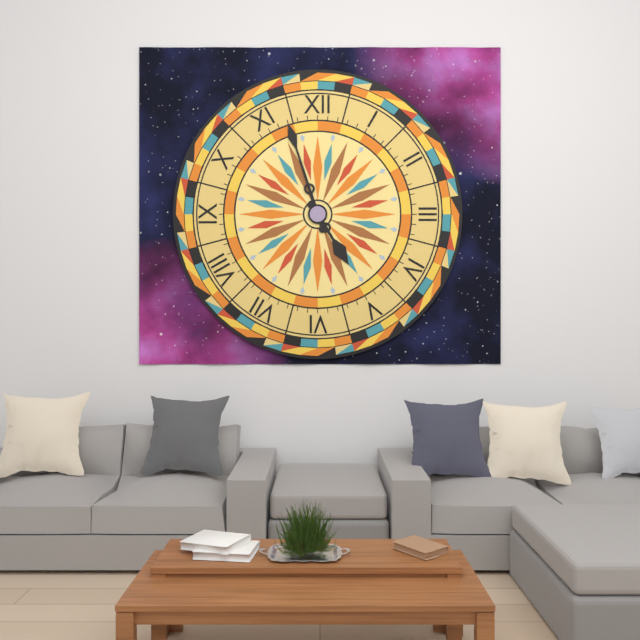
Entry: h=4 m=57
